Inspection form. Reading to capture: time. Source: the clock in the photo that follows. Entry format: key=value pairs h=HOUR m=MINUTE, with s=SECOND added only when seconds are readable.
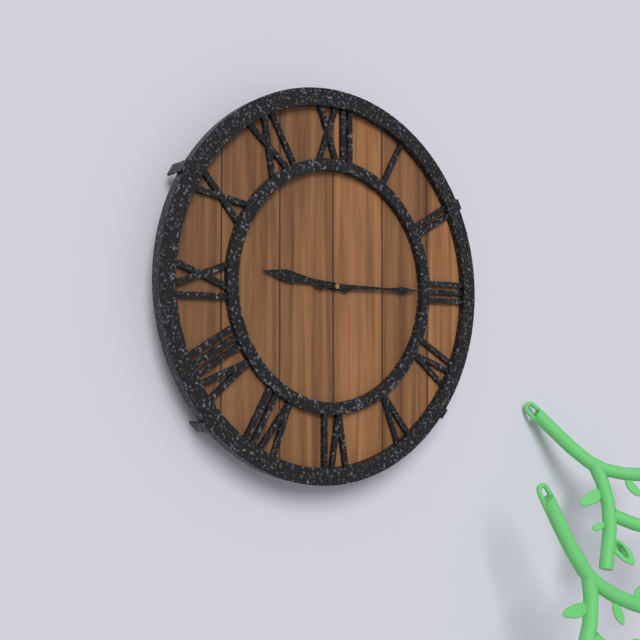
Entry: h=9 m=15
